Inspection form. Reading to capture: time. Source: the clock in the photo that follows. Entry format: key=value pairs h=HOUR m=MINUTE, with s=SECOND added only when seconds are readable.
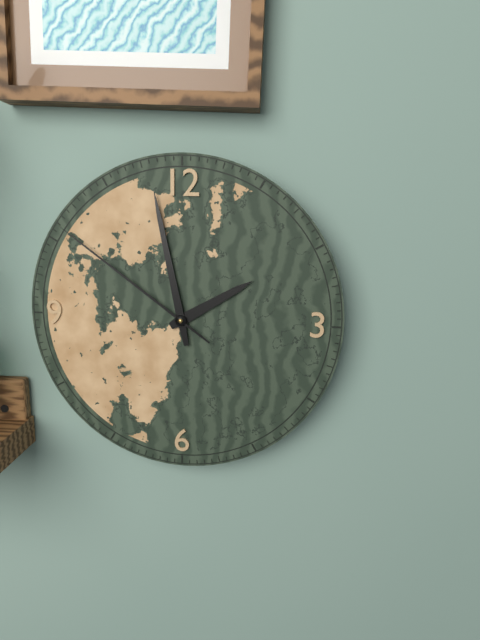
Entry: h=1 m=58 s=51
